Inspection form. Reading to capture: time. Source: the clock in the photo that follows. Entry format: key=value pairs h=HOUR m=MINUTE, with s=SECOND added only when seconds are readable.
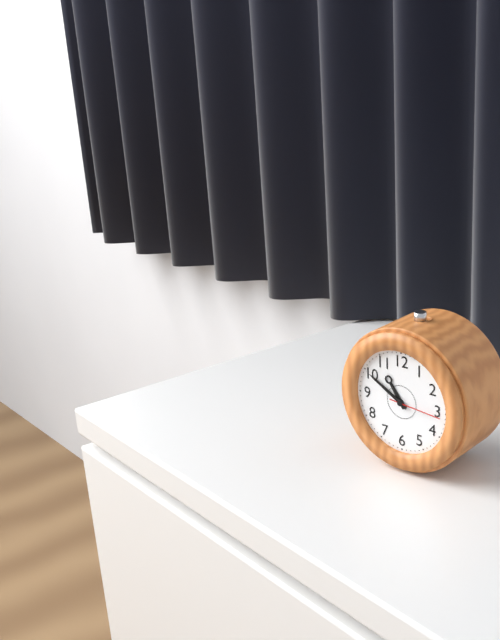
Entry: h=10 m=50
